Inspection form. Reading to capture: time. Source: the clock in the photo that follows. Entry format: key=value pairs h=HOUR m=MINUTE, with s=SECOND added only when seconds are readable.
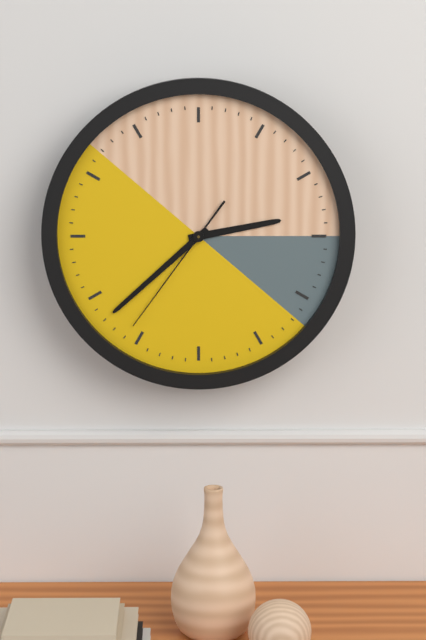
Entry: h=2 m=38 s=36
